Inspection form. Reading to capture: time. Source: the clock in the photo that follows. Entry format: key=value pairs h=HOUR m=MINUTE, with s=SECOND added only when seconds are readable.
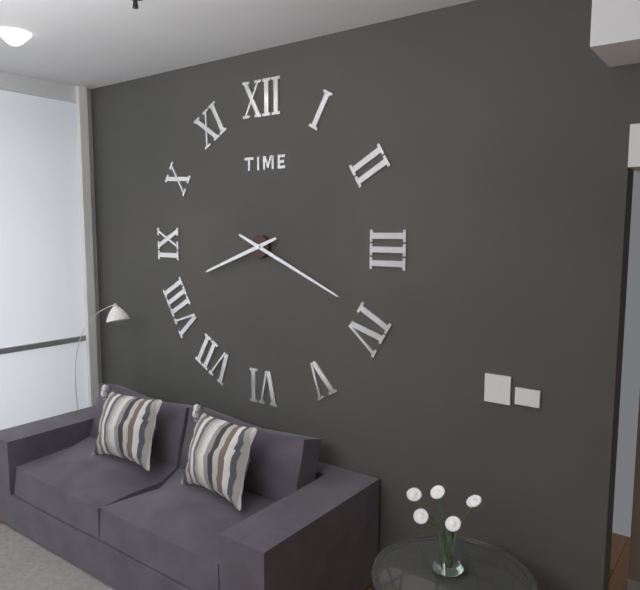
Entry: h=8 m=19
